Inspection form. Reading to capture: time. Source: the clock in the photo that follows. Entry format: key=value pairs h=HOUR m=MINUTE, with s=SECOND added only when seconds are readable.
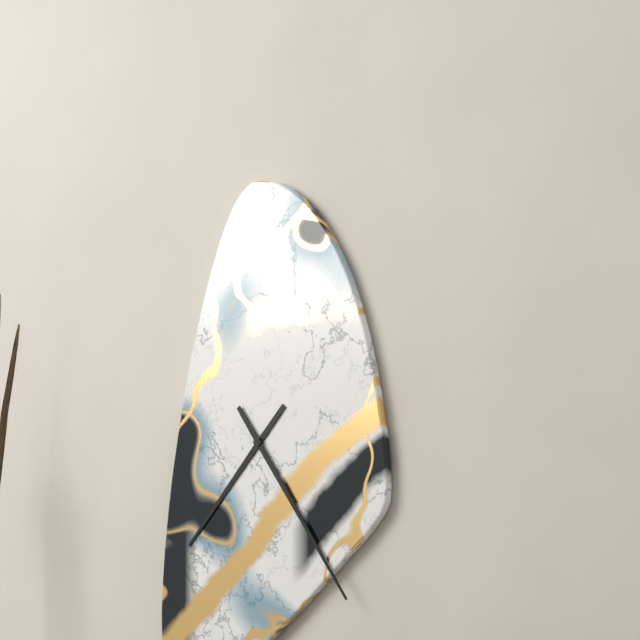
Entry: h=7 m=24
